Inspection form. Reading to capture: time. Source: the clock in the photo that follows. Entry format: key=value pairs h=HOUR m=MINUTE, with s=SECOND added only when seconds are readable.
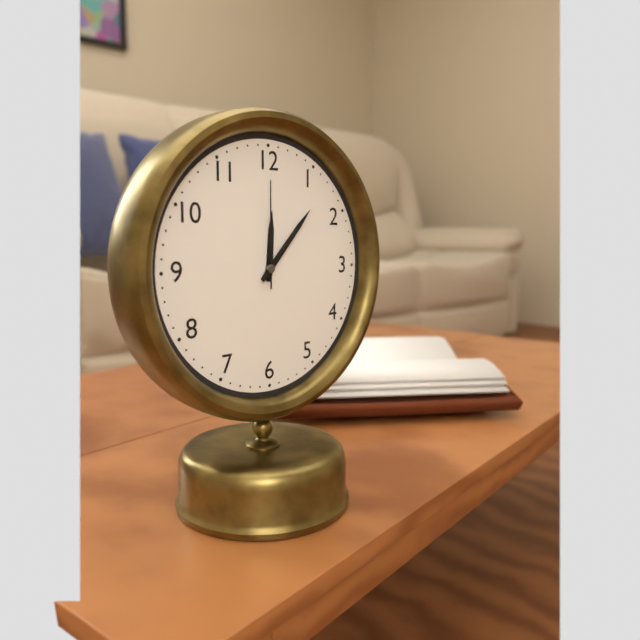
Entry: h=12 m=7 s=0
